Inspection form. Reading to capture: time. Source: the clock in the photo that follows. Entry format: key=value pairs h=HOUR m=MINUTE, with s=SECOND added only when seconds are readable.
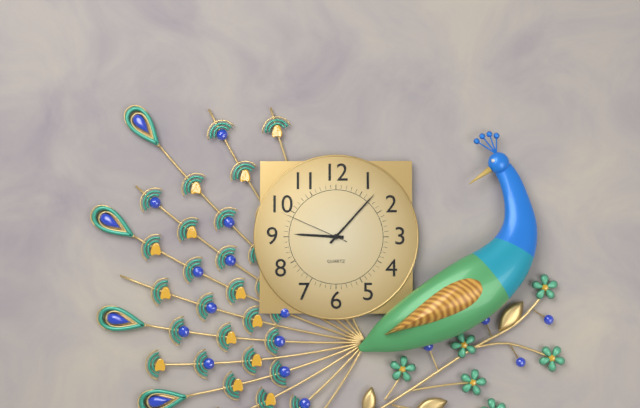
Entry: h=9 m=7 s=49
